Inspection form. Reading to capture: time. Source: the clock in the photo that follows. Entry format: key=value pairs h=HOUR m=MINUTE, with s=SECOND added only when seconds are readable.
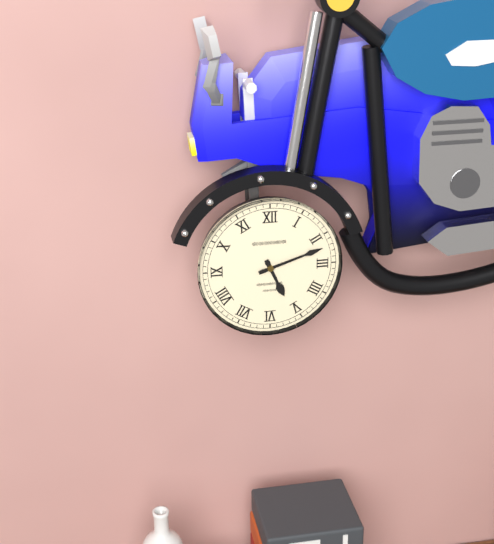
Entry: h=5 m=12
